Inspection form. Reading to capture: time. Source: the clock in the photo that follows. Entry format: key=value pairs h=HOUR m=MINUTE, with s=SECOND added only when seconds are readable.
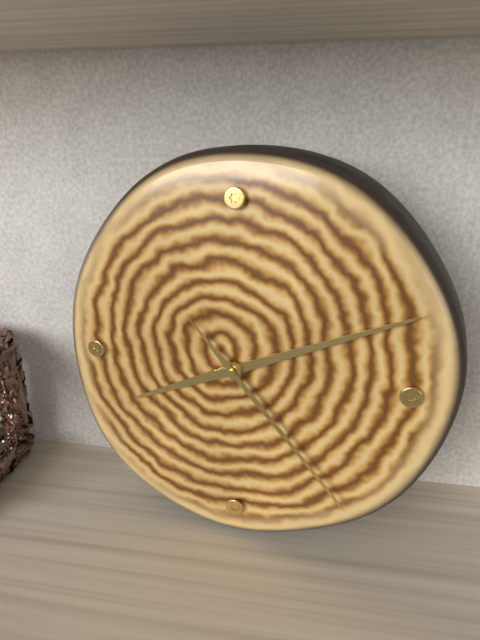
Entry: h=8 m=11 s=23
